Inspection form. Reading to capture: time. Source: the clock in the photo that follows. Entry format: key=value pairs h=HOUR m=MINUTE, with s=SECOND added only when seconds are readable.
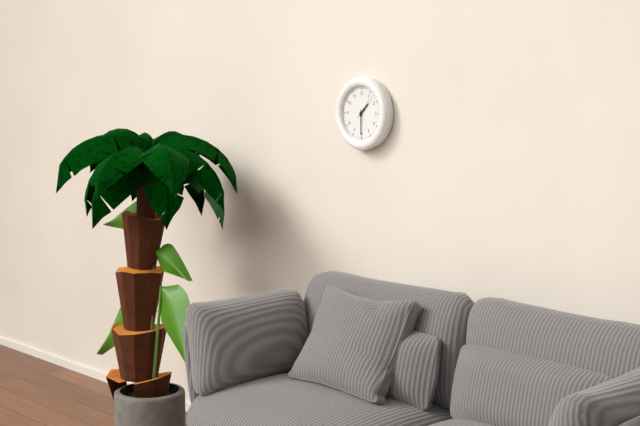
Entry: h=1 m=30
